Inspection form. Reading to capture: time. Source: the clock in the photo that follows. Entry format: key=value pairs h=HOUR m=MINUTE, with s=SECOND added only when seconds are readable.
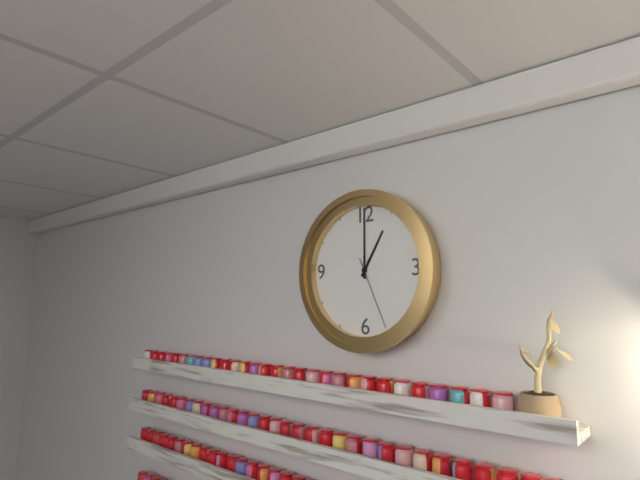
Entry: h=1 m=0 s=26
